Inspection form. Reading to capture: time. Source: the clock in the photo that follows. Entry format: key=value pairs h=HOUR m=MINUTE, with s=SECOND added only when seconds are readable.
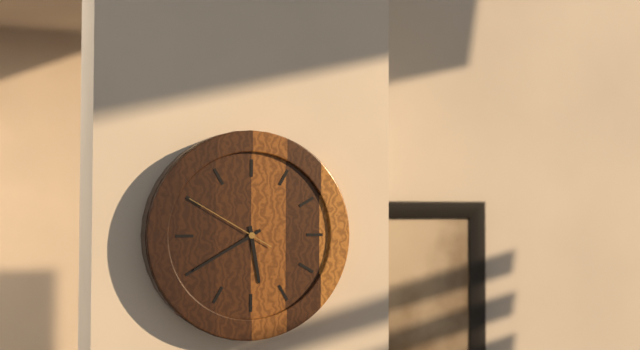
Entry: h=5 m=40 s=50
